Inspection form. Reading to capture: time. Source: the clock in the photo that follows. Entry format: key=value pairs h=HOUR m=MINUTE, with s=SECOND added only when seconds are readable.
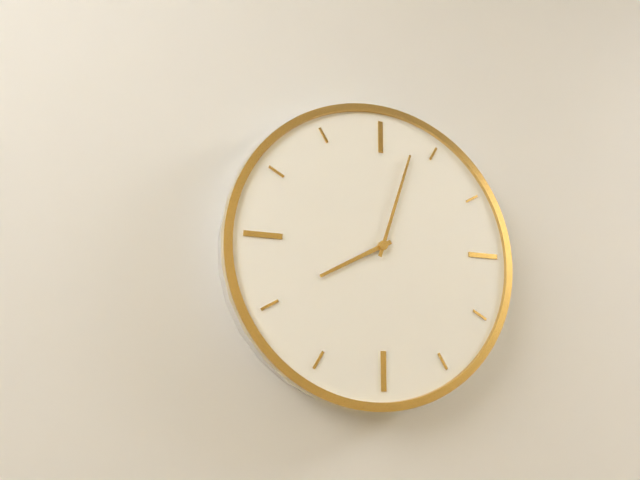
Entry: h=8 m=3
